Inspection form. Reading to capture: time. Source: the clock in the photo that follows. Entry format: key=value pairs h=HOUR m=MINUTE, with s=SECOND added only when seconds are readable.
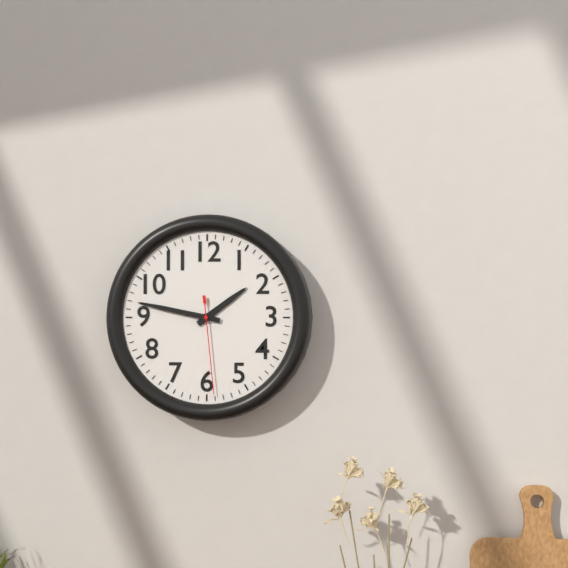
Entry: h=1 m=47 s=29
